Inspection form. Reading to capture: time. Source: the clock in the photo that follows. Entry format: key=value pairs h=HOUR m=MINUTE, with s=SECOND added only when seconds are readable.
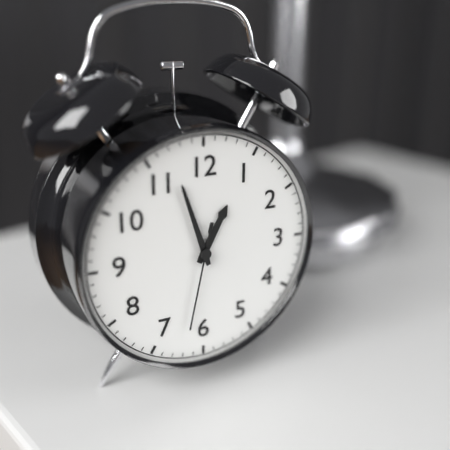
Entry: h=12 m=57 s=32
